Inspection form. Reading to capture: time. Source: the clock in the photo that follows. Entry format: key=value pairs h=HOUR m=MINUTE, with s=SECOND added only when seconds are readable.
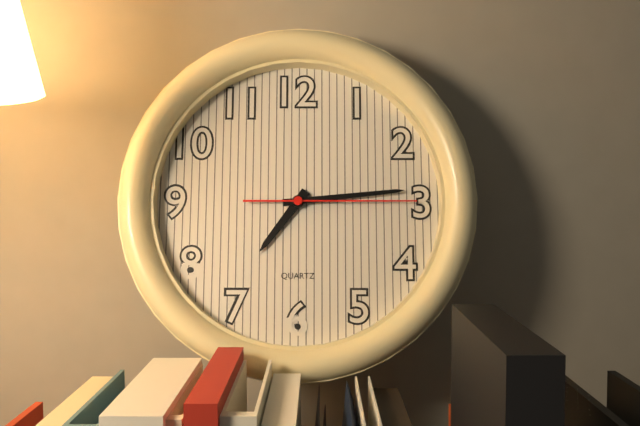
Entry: h=7 m=14 s=15
